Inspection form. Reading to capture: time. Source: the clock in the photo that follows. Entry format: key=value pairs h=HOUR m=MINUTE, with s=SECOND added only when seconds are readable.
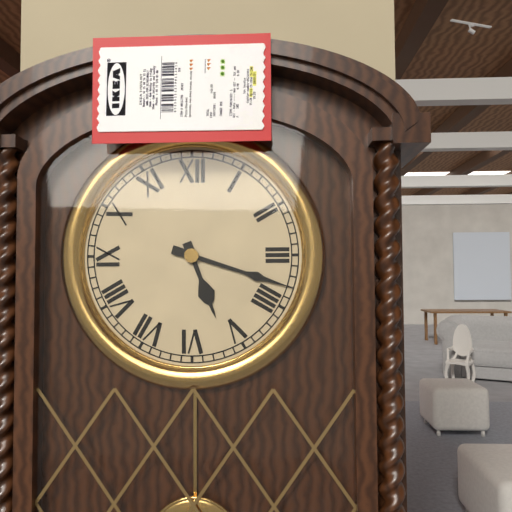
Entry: h=5 m=18
